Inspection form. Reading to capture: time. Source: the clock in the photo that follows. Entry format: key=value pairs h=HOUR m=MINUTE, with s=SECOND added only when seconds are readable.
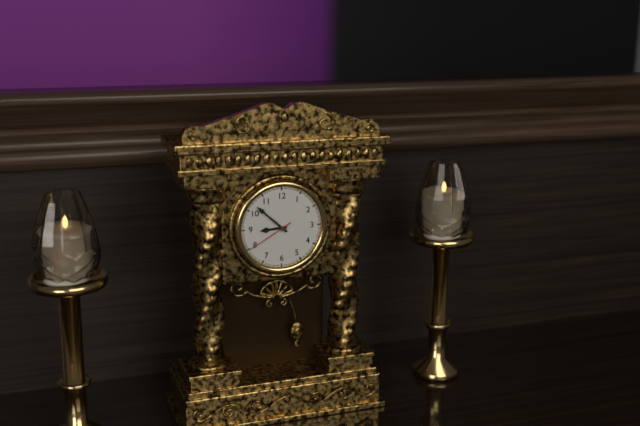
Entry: h=8 m=52
